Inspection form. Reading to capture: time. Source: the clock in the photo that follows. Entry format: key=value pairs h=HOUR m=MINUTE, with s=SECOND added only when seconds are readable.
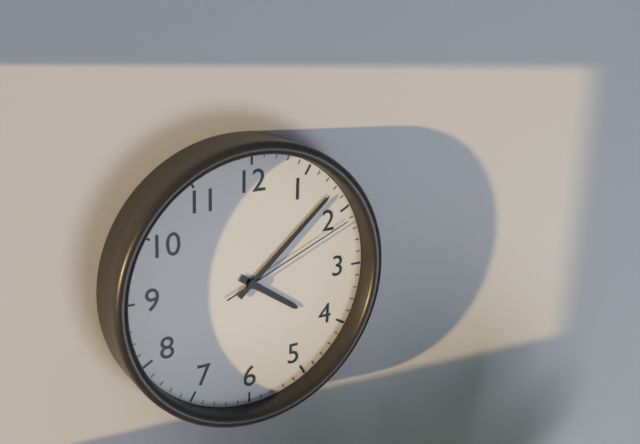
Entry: h=4 m=8 s=11
